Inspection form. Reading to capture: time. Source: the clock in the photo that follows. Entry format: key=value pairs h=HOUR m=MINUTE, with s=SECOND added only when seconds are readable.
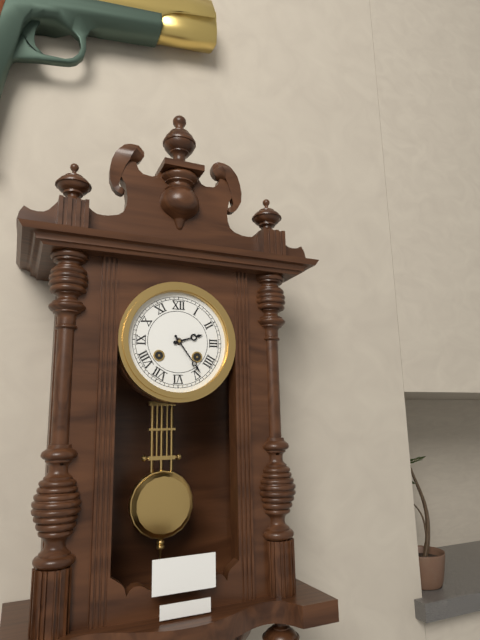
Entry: h=2 m=24
